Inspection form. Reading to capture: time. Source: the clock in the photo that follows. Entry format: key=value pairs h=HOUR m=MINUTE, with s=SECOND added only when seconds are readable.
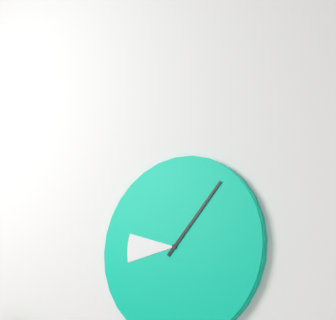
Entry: h=9 m=7
